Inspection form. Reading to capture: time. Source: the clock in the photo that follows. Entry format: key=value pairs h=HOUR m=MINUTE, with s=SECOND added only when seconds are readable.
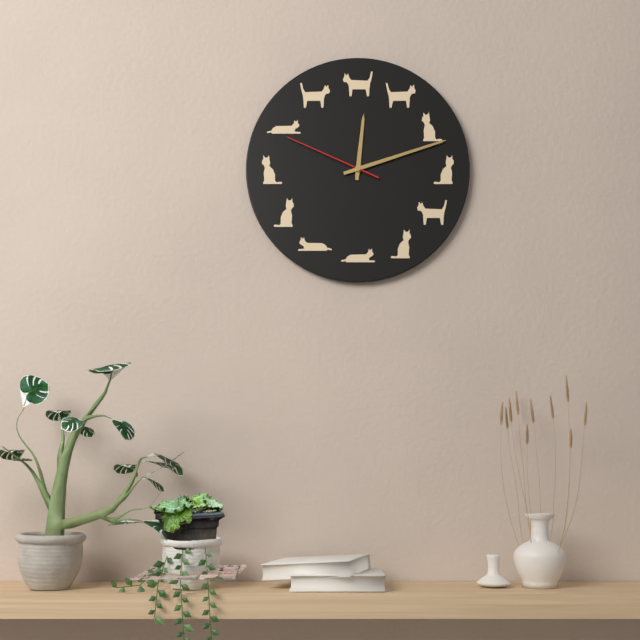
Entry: h=12 m=12 s=49
